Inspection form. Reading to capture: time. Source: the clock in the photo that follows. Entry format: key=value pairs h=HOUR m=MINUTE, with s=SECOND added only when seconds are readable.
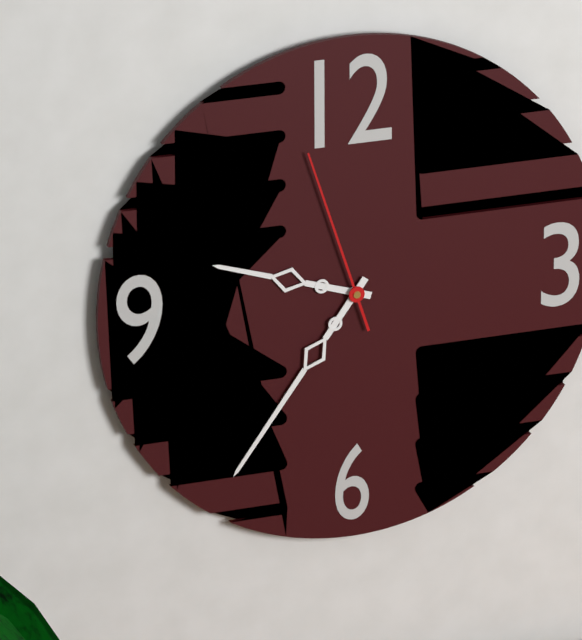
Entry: h=9 m=36 s=57
